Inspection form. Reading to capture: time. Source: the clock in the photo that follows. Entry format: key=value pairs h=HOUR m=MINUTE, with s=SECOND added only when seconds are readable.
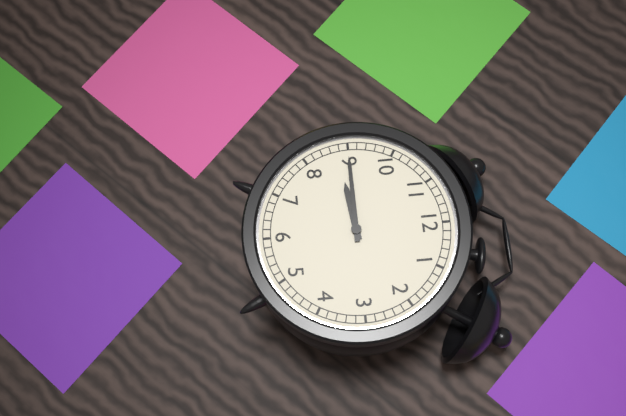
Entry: h=8 m=45
